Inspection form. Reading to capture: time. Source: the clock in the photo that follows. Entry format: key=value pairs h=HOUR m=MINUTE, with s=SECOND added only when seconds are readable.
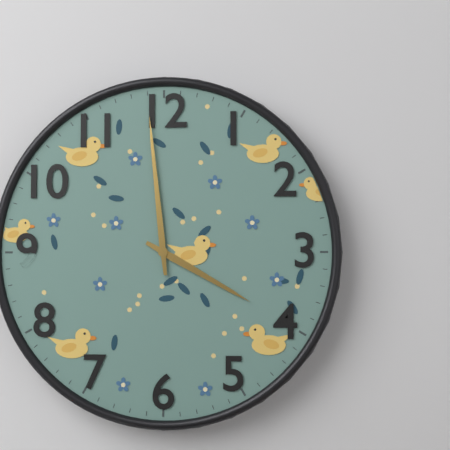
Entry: h=3 m=59
